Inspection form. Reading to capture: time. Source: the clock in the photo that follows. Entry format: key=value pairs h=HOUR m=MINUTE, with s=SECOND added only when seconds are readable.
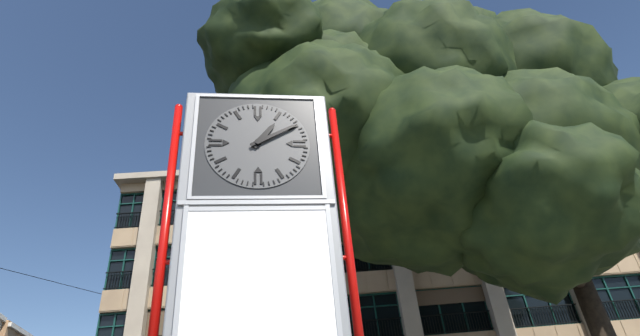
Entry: h=1 m=10
